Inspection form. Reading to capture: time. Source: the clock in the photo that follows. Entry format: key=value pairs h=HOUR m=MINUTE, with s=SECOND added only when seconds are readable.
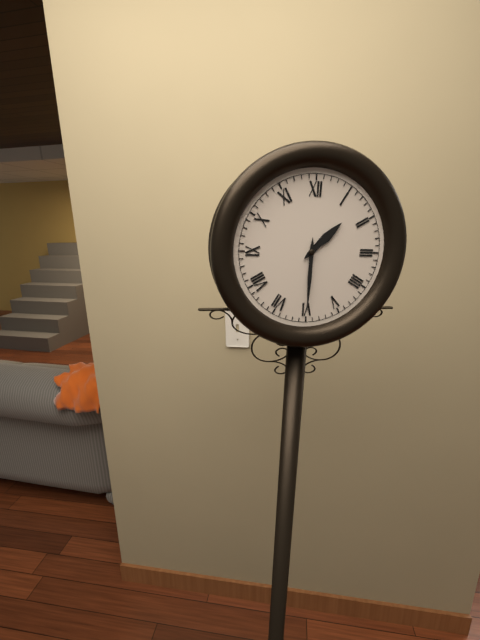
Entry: h=1 m=30
